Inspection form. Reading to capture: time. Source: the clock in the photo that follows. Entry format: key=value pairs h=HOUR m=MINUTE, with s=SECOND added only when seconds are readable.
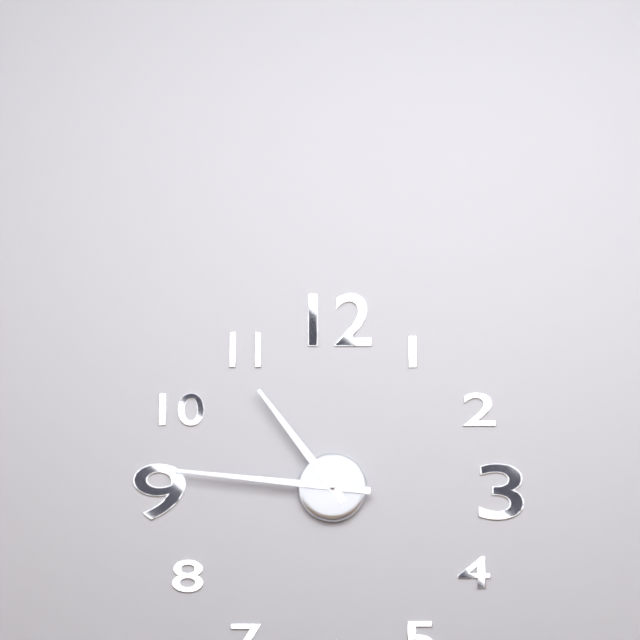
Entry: h=10 m=46
